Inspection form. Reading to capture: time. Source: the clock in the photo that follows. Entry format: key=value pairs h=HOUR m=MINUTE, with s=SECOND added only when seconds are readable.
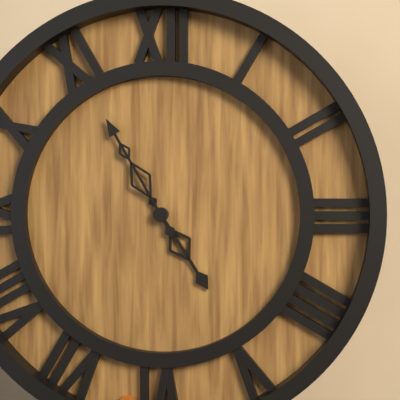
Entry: h=4 m=55
